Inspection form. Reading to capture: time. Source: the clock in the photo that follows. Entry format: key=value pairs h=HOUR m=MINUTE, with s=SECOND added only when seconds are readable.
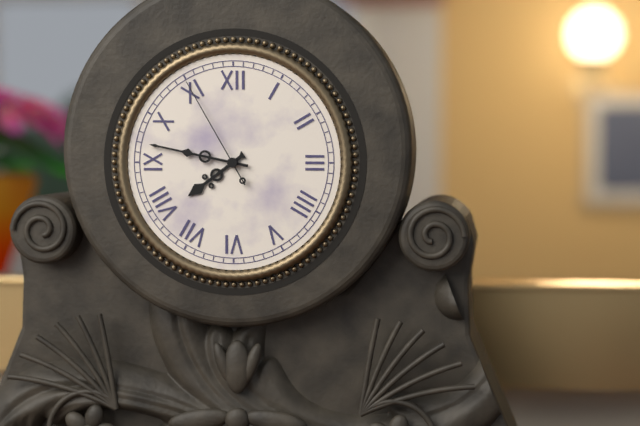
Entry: h=7 m=47 s=55
